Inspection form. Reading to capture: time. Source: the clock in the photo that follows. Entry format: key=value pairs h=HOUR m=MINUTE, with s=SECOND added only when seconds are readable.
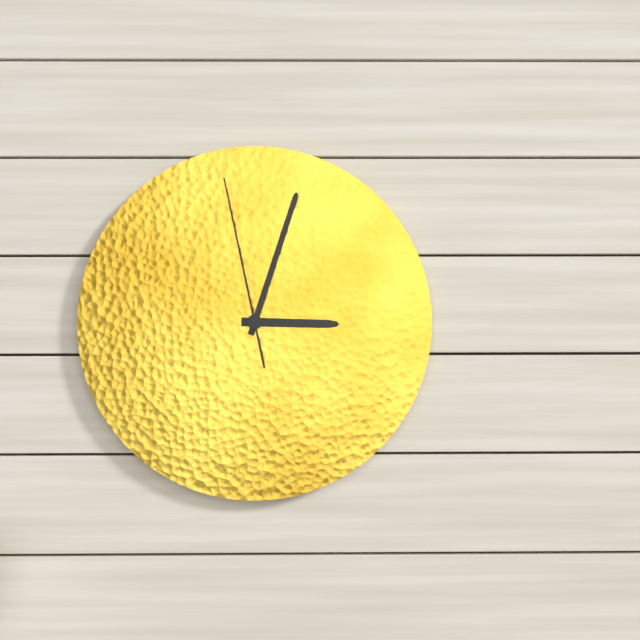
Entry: h=3 m=3 s=58
